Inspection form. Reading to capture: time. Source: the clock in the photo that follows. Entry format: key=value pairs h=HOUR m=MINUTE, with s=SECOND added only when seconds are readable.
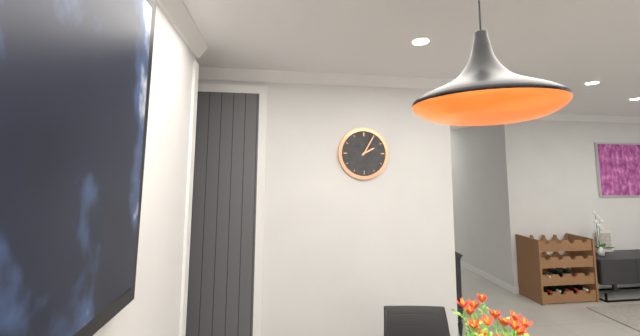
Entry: h=2 m=5
